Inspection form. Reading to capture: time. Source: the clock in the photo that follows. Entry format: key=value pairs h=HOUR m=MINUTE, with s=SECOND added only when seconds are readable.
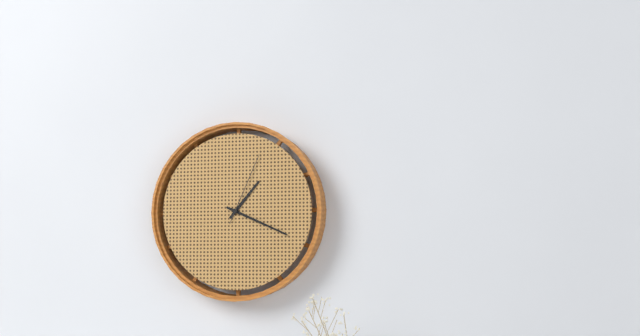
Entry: h=1 m=19 s=4
